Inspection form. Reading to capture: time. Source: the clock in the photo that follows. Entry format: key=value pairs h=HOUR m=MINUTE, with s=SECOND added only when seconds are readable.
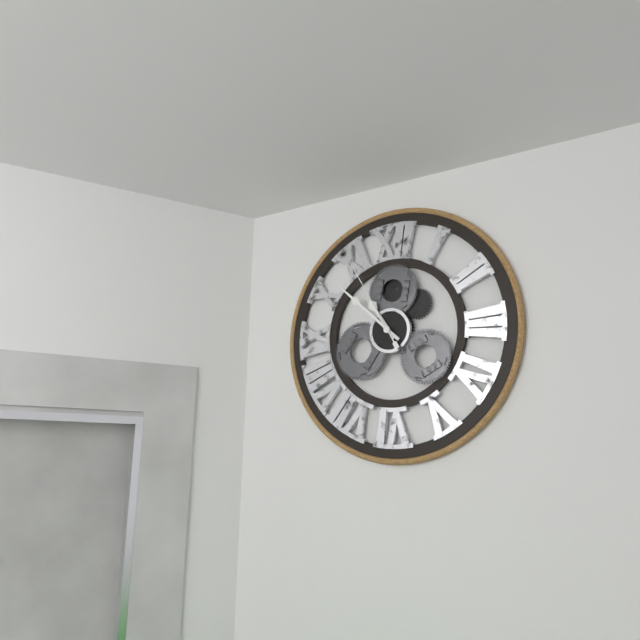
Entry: h=10 m=52 s=55
